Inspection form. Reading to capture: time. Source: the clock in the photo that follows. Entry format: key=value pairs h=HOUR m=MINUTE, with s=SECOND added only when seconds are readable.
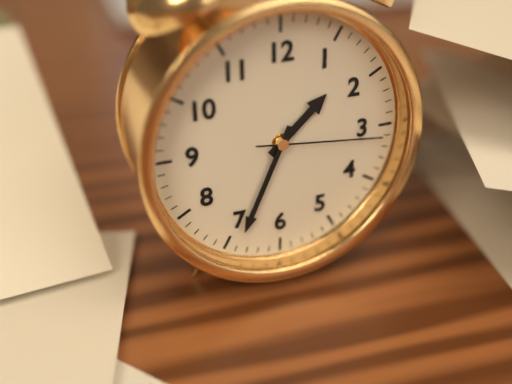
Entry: h=1 m=34 s=16
